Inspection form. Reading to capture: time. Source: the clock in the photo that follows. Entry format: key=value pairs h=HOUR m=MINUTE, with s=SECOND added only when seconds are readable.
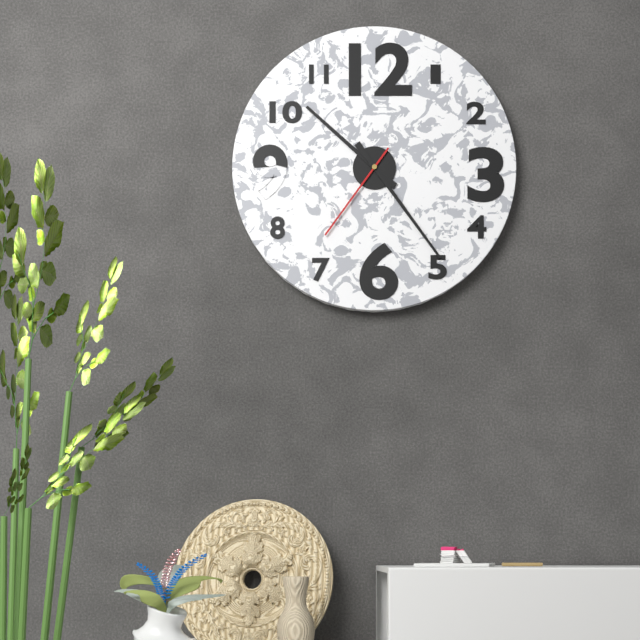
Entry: h=10 m=24 s=36
